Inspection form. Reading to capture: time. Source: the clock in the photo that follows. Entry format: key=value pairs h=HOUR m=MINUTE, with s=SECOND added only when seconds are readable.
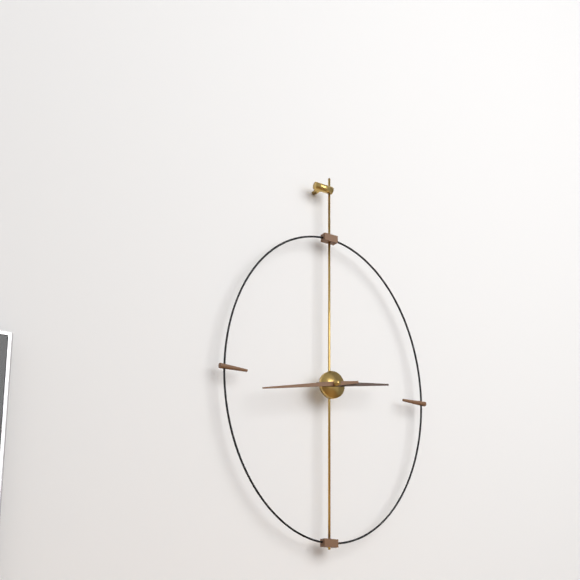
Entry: h=2 m=43
